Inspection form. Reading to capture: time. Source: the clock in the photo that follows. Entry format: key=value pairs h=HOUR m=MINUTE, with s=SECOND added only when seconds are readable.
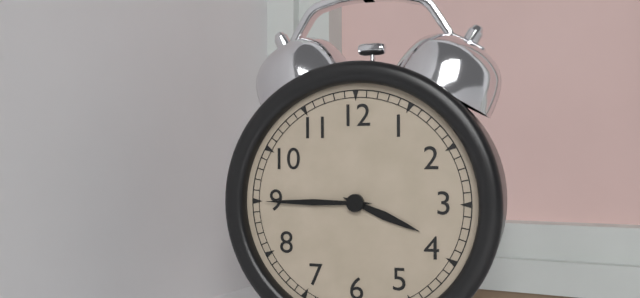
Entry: h=3 m=45
